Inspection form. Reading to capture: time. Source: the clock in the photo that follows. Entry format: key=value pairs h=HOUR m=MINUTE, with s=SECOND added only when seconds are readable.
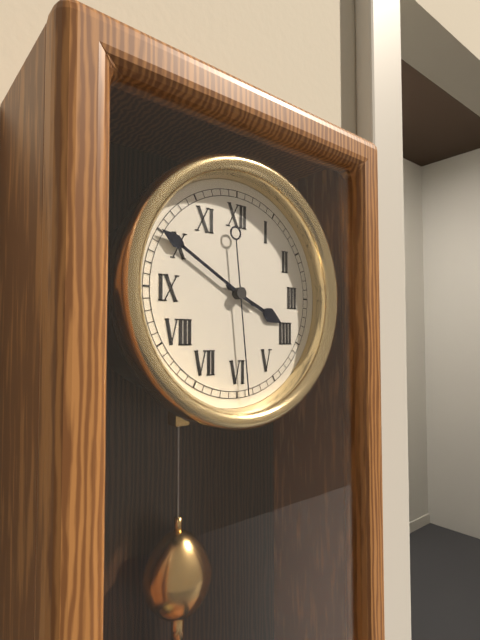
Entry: h=3 m=50 s=29
